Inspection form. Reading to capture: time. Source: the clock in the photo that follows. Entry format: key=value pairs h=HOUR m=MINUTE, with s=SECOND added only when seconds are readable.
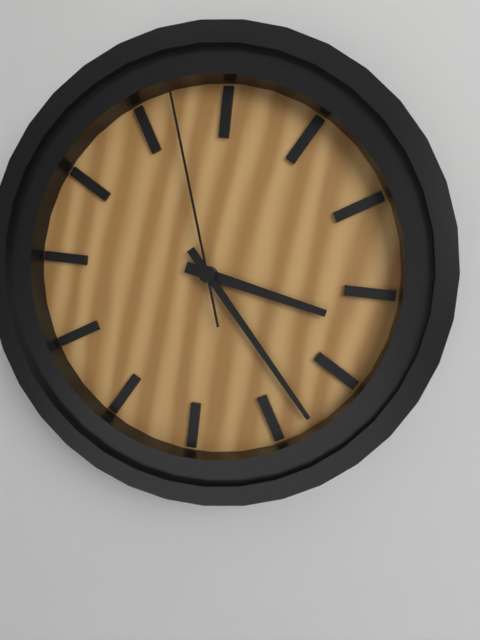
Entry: h=3 m=23 s=57
